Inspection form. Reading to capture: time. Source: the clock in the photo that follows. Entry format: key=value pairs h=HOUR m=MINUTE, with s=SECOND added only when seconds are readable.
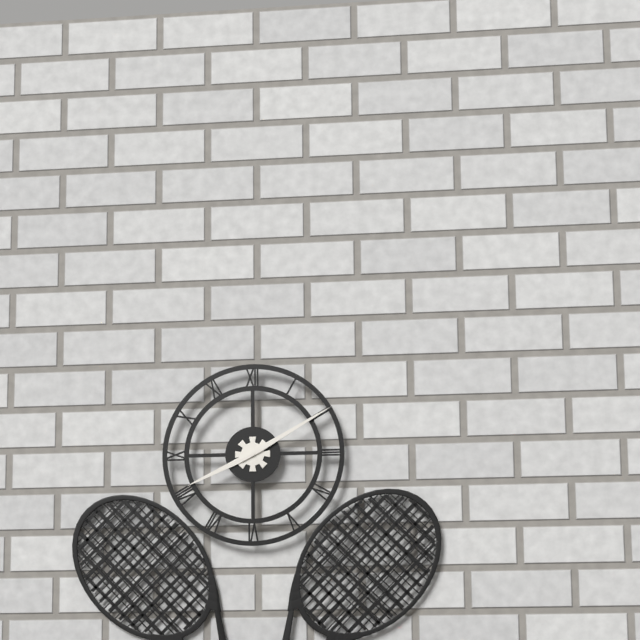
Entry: h=8 m=10
